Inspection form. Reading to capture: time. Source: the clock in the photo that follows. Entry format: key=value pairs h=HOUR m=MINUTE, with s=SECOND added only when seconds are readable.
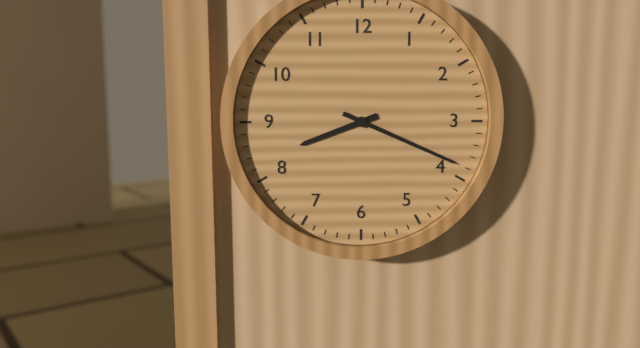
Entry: h=8 m=19
